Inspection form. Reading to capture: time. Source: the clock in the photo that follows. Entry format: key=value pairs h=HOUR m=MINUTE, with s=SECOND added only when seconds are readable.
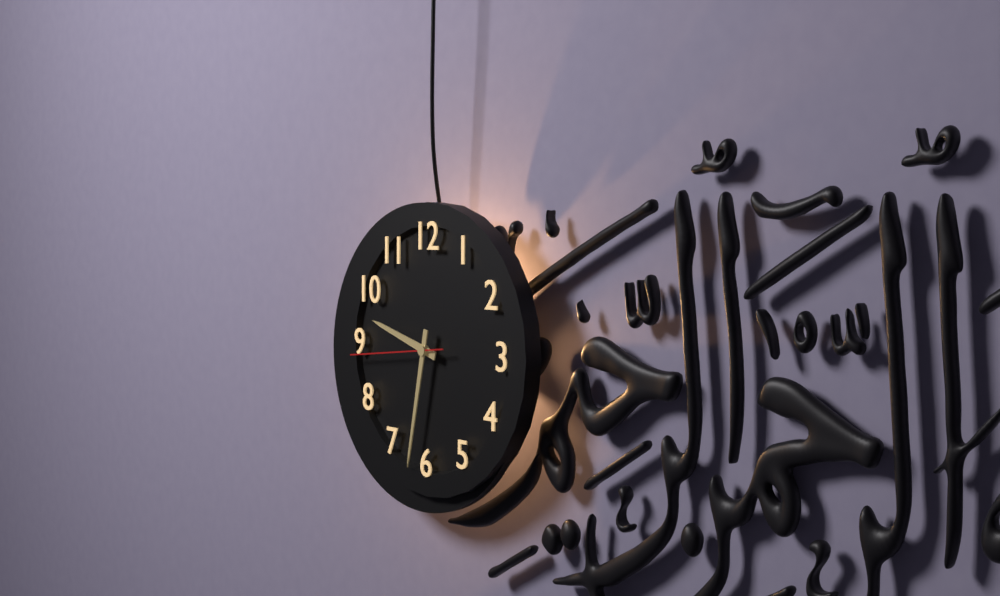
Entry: h=9 m=32 s=44
